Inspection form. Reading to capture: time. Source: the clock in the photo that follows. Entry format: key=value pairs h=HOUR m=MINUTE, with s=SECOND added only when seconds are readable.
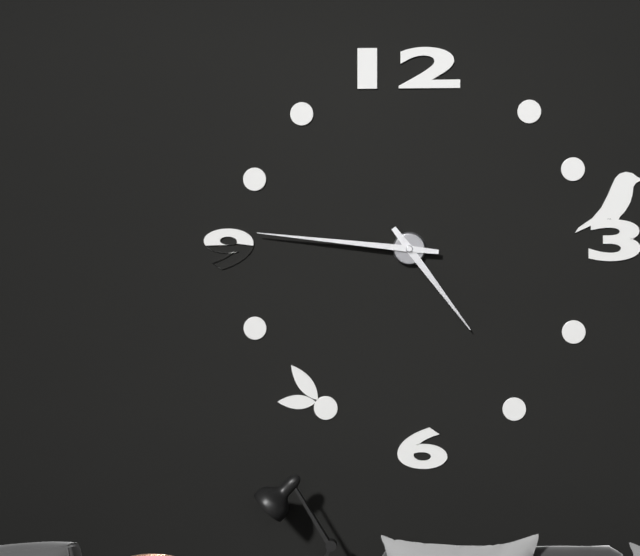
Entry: h=4 m=46
